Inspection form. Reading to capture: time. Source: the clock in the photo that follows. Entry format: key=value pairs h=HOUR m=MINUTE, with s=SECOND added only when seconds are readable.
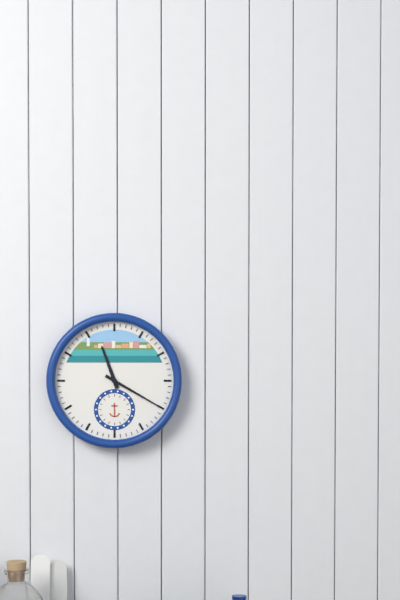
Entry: h=11 m=20
